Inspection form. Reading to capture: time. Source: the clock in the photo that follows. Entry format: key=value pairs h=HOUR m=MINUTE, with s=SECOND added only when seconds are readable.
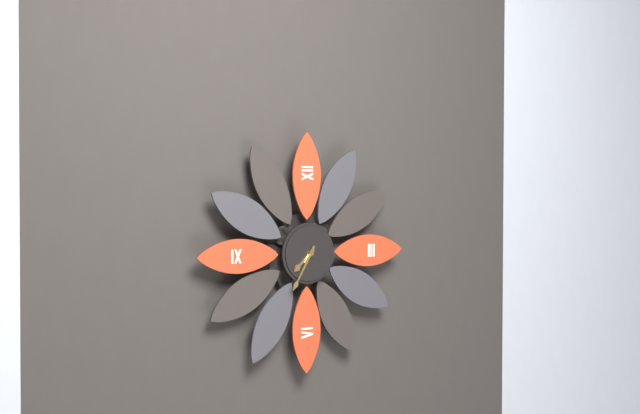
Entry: h=7 m=35
